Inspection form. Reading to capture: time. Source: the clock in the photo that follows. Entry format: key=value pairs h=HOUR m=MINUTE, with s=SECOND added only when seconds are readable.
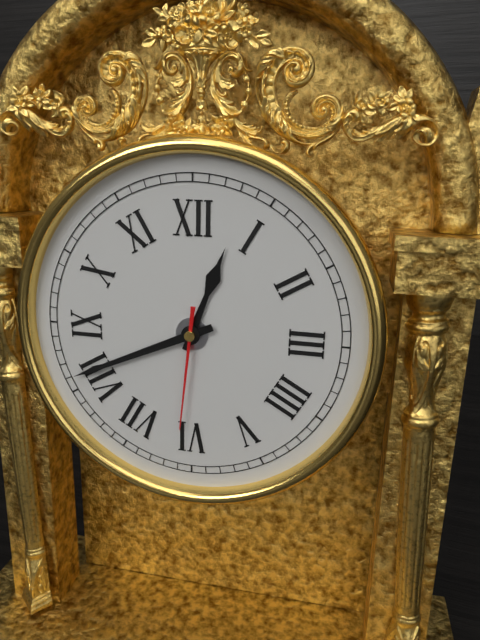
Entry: h=12 m=41 s=31
